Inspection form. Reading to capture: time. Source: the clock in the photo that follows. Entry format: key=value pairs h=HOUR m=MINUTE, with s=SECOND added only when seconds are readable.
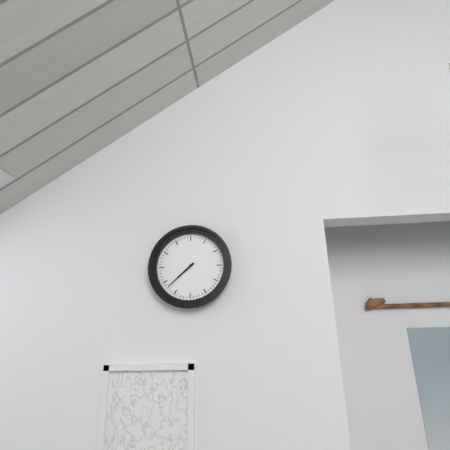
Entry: h=7 m=38
